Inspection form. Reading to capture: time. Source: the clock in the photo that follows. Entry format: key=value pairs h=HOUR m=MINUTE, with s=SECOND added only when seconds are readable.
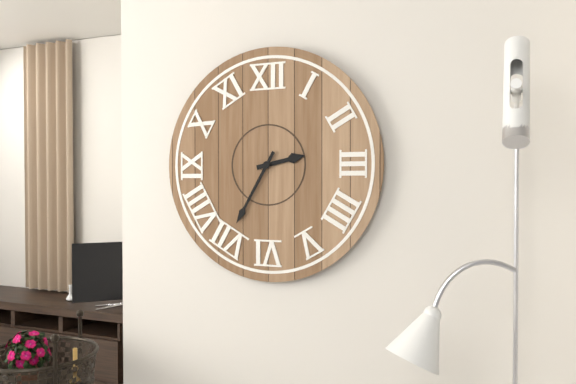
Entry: h=2 m=35
